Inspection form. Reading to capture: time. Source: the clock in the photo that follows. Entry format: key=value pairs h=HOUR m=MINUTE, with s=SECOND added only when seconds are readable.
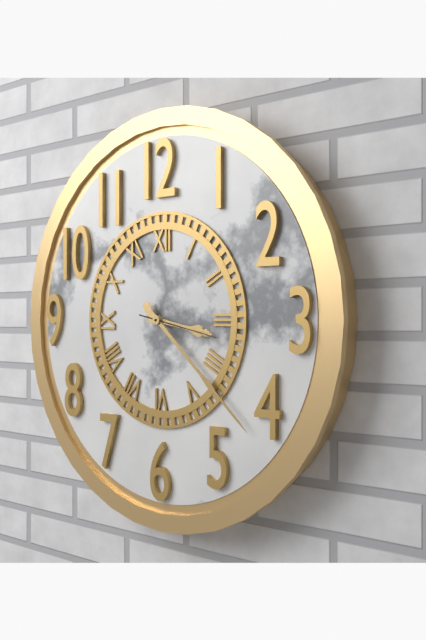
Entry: h=3 m=22 s=17
